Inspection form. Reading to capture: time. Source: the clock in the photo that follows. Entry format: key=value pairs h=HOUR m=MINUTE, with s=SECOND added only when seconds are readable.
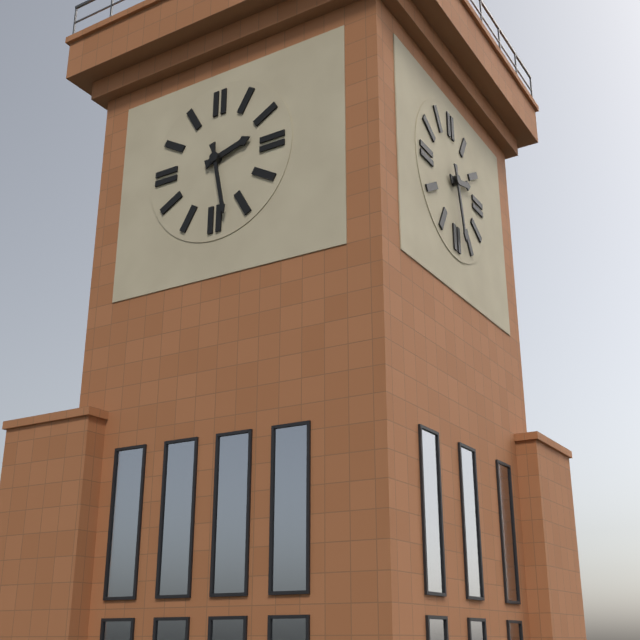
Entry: h=2 m=28
